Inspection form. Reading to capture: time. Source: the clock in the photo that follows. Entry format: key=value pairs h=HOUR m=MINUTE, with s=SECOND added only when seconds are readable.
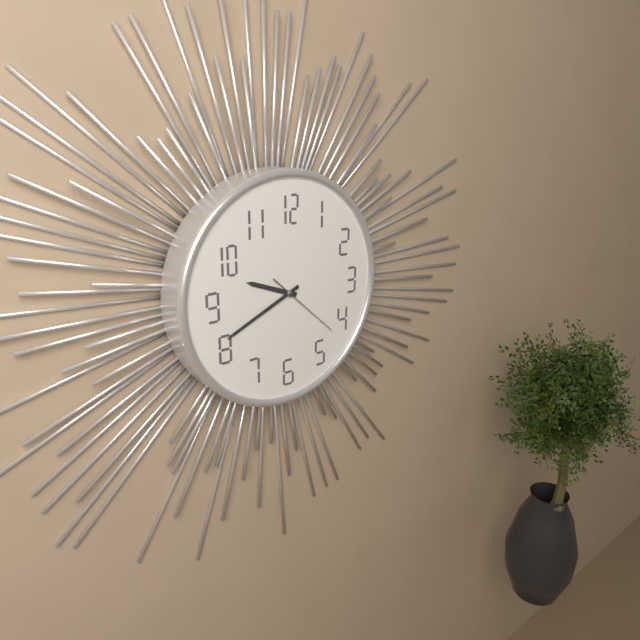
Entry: h=9 m=41 s=22
